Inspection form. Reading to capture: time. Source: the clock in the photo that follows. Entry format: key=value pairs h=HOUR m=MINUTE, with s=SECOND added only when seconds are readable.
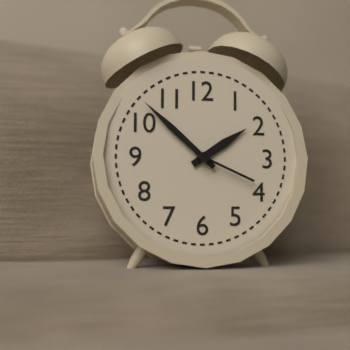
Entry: h=1 m=52 s=19
